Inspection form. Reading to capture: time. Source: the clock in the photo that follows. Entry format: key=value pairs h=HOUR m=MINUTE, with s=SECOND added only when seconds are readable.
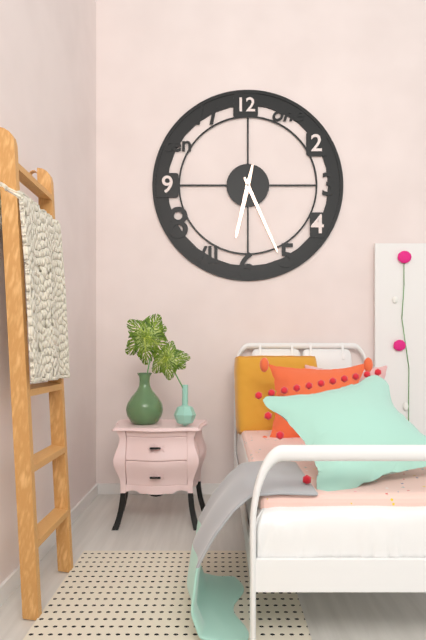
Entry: h=6 m=26
